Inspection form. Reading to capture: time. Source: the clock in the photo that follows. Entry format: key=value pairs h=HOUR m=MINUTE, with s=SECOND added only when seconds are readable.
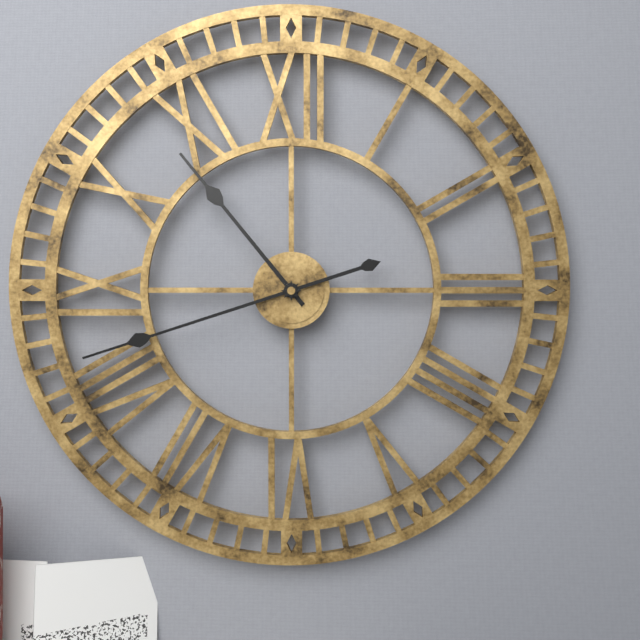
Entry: h=10 m=42
